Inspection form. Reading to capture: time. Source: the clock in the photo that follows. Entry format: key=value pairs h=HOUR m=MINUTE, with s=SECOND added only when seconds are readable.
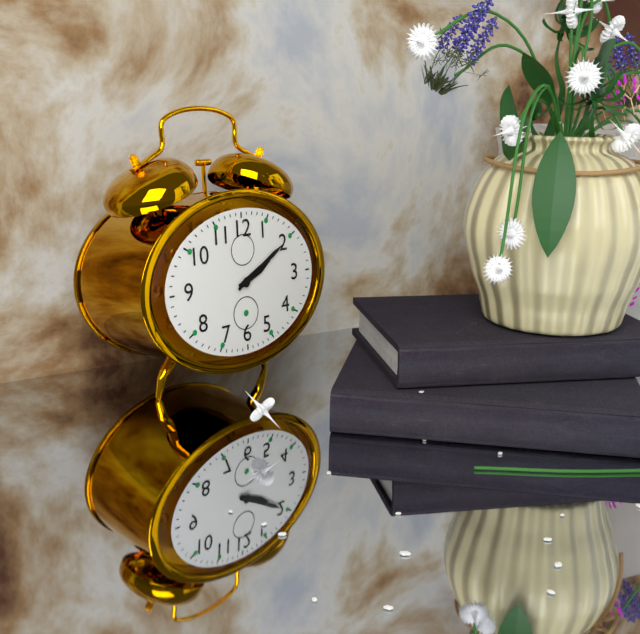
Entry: h=2 m=10
